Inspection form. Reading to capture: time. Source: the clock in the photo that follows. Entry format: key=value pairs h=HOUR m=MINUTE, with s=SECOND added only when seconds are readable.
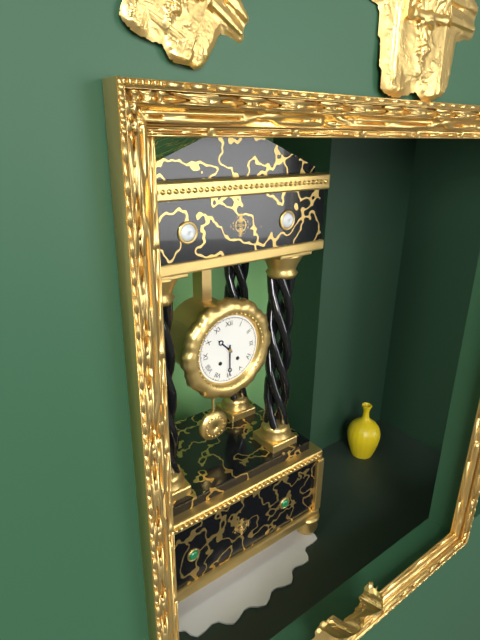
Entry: h=10 m=30
